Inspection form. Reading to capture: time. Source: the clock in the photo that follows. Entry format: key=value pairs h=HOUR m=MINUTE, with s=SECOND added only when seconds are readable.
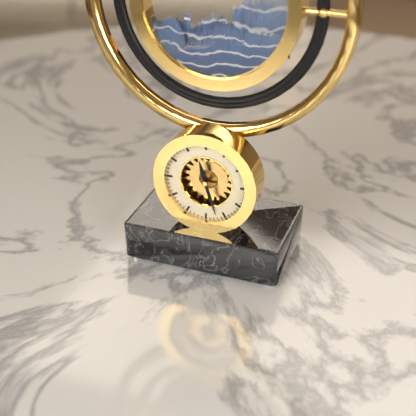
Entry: h=11 m=27
